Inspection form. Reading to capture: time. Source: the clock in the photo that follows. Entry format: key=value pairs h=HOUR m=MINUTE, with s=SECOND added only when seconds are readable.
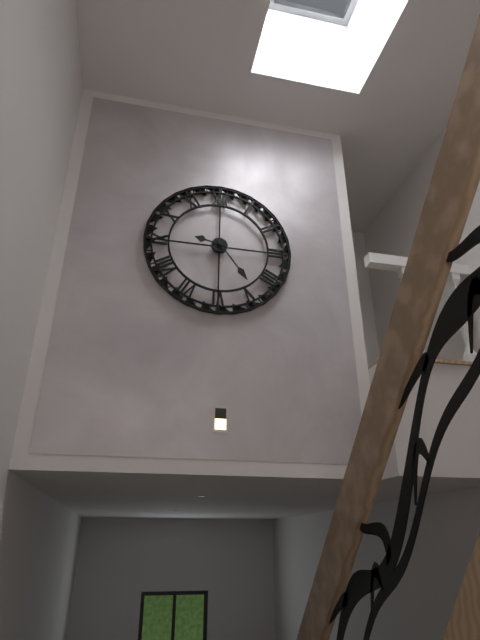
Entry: h=9 m=24
